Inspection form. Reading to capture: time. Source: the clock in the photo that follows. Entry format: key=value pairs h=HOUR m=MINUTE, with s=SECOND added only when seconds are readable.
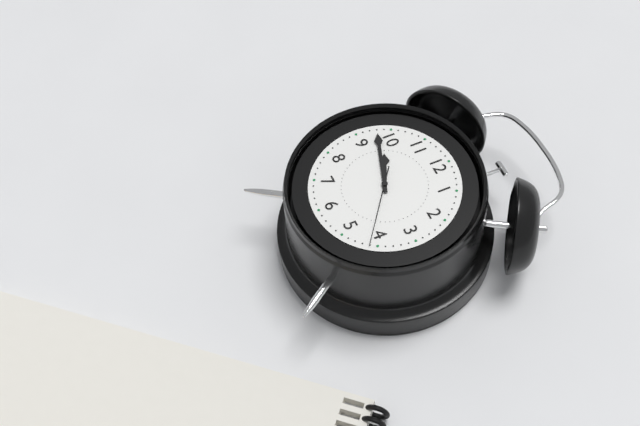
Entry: h=9 m=48 s=21
